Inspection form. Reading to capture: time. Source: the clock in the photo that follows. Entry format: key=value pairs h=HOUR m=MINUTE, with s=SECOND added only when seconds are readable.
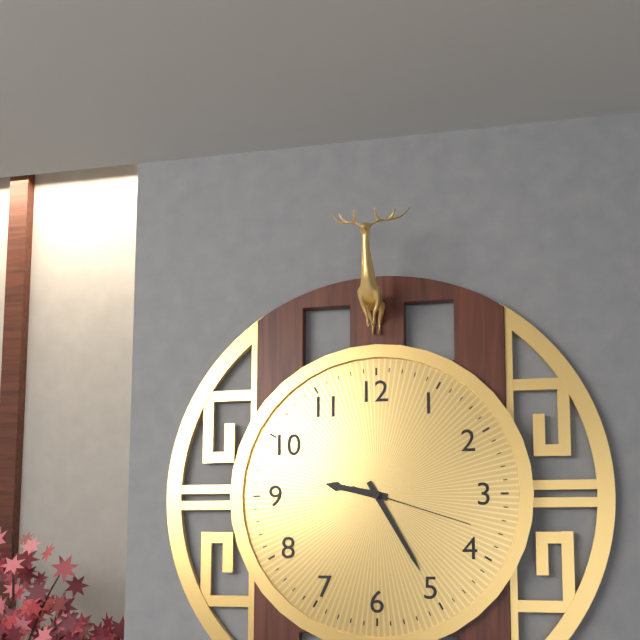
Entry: h=9 m=25 s=18
